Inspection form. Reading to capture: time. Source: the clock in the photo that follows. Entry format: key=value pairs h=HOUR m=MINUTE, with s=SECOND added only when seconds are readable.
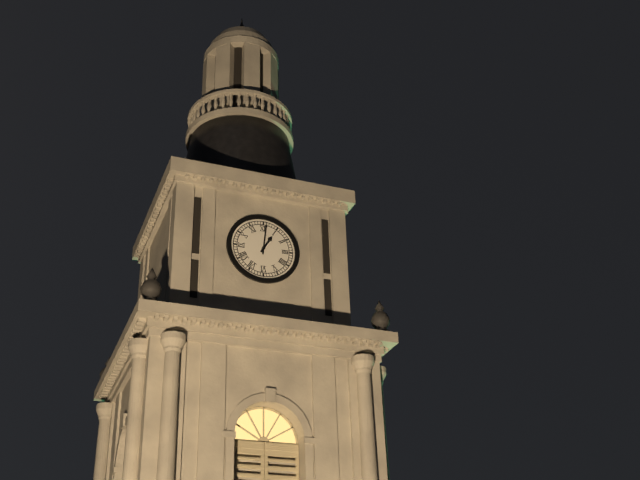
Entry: h=1 m=1
